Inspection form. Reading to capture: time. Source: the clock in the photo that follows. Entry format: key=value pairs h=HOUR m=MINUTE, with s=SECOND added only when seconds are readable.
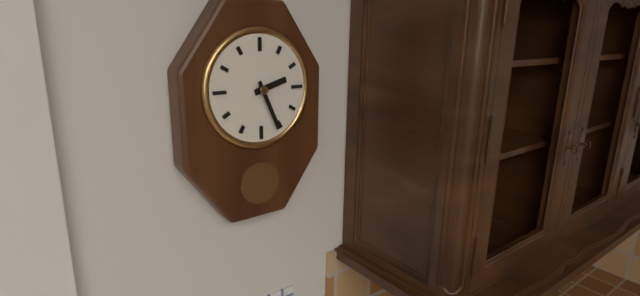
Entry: h=2 m=26
